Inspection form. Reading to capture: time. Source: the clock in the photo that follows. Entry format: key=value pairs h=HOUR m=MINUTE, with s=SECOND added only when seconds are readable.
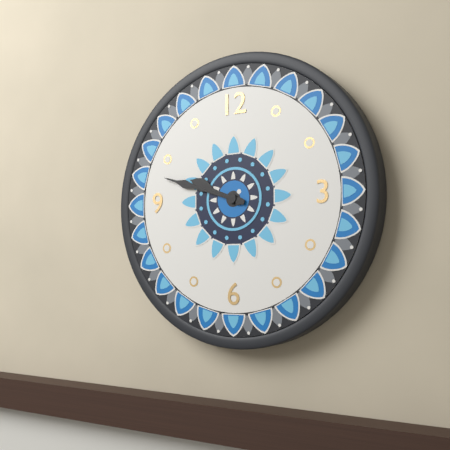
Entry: h=9 m=48
